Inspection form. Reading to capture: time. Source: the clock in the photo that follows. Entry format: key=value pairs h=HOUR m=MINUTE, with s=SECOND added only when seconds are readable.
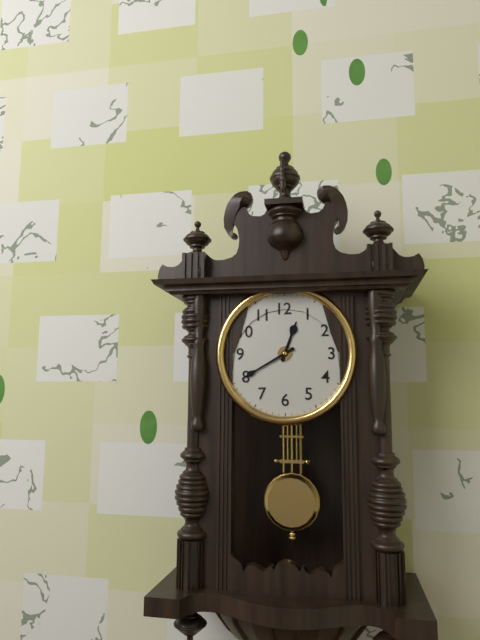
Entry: h=12 m=40
